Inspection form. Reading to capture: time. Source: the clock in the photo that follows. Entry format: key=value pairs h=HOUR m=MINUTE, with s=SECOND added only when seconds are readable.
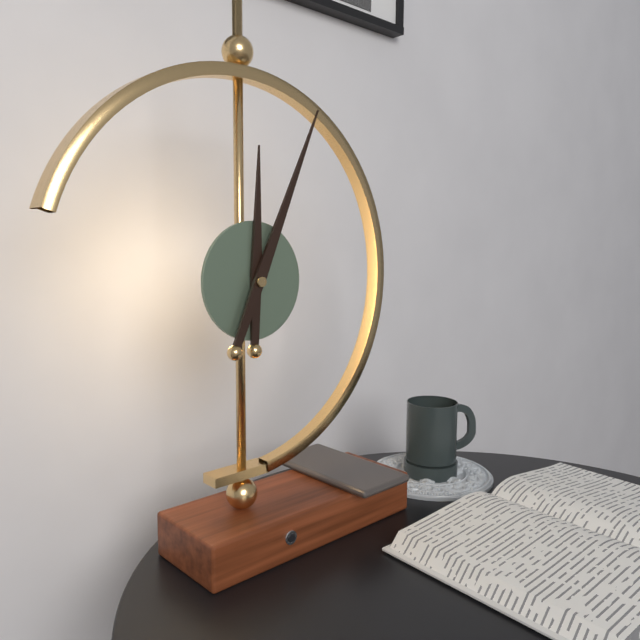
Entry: h=12 m=4
